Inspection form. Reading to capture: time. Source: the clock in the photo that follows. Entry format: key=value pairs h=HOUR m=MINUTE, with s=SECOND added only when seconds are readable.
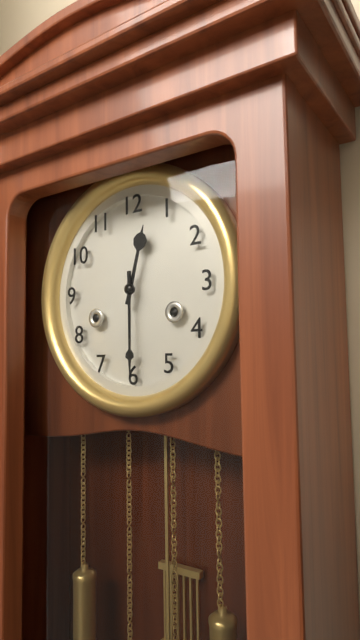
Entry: h=12 m=30
